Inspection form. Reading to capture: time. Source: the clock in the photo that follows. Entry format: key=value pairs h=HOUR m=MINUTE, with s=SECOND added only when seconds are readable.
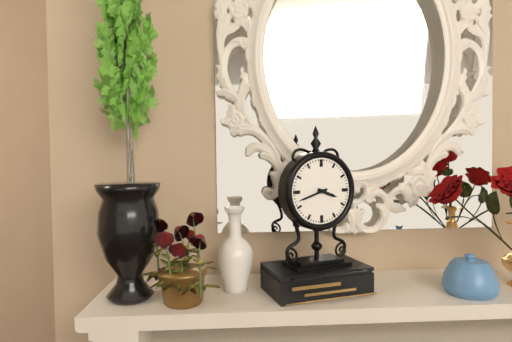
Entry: h=3 m=42
